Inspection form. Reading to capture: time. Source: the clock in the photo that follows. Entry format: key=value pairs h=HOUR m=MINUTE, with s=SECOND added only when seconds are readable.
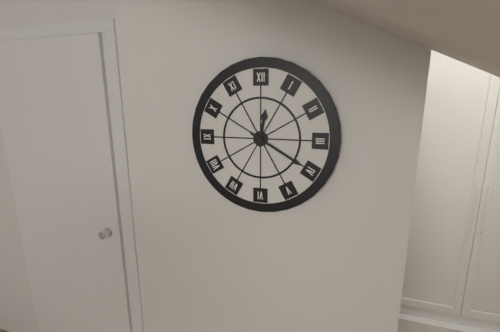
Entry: h=12 m=20
